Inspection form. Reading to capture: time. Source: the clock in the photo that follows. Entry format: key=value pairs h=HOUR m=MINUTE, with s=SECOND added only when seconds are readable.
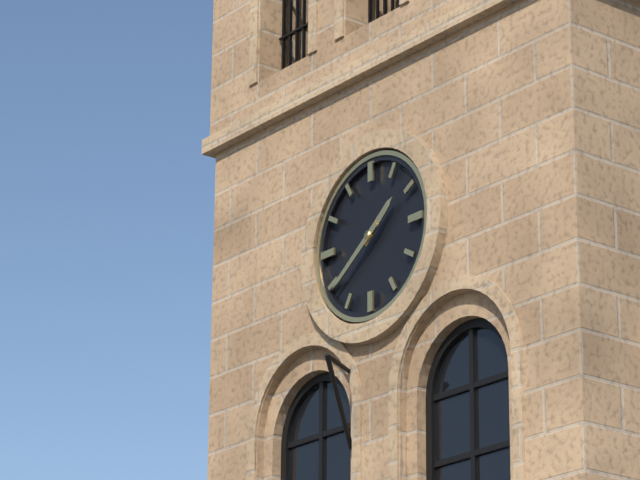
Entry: h=1 m=39
